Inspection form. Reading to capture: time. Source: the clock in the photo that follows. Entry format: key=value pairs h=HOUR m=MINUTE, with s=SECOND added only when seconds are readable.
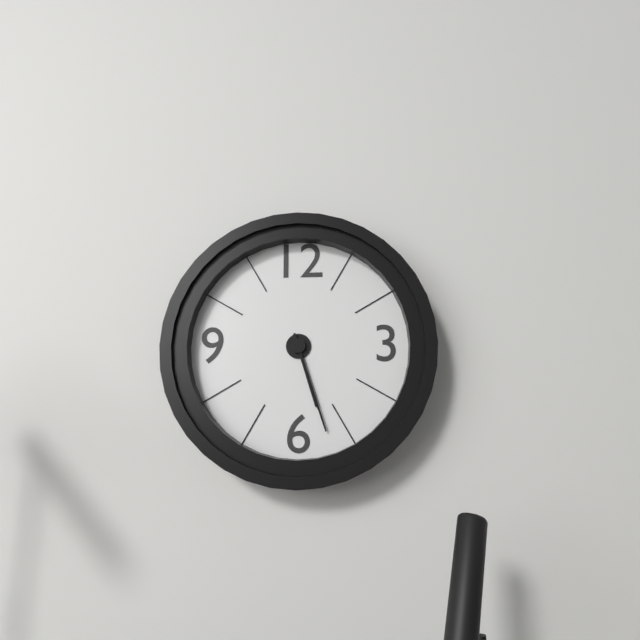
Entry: h=5 m=27
